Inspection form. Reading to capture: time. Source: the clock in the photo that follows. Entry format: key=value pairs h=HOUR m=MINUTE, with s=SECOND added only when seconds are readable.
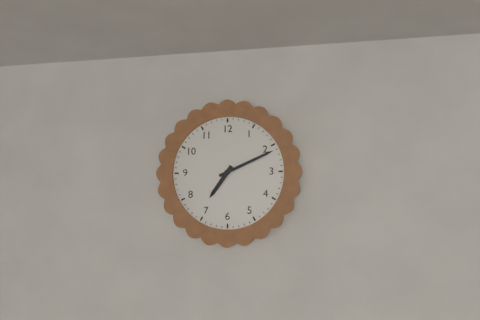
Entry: h=7 m=11
